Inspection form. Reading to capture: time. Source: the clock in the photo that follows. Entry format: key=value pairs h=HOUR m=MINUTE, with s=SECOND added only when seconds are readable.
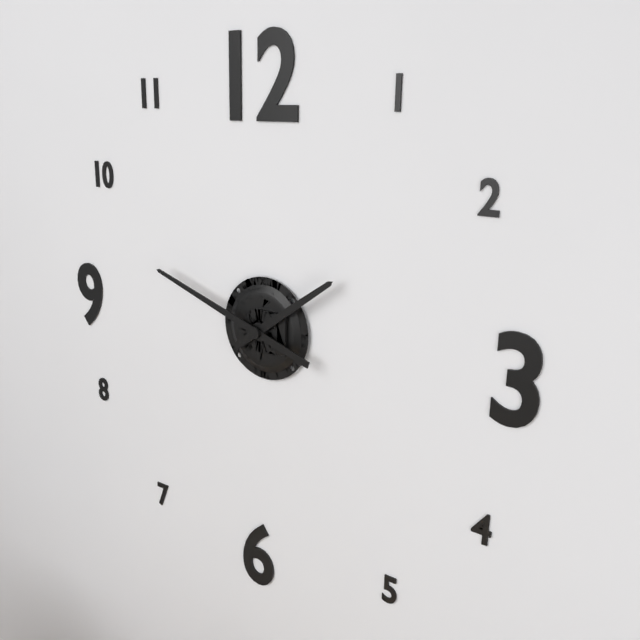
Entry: h=1 m=48
